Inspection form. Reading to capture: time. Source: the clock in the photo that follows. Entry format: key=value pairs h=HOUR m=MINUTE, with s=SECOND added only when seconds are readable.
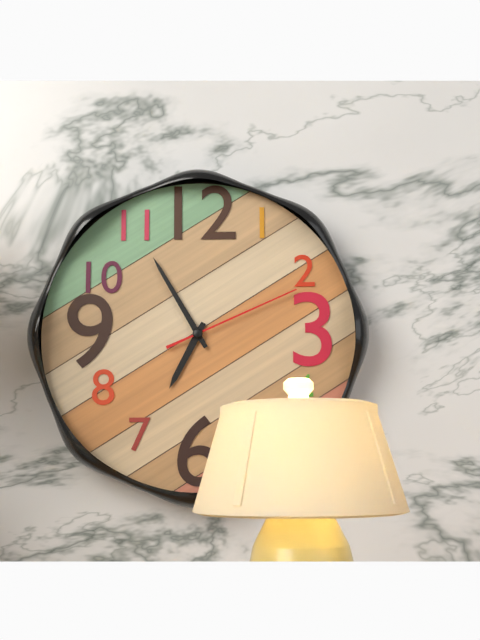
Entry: h=6 m=55 s=11
